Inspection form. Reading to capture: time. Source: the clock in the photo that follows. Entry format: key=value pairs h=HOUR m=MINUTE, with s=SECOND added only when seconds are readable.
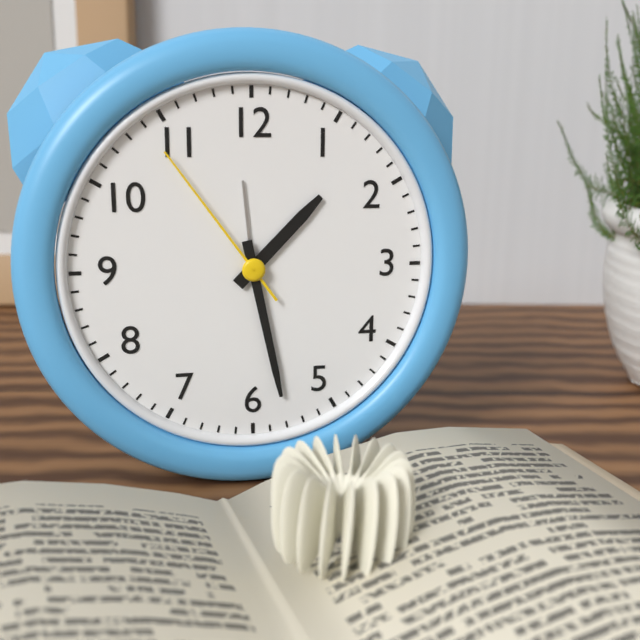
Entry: h=1 m=28 s=54
